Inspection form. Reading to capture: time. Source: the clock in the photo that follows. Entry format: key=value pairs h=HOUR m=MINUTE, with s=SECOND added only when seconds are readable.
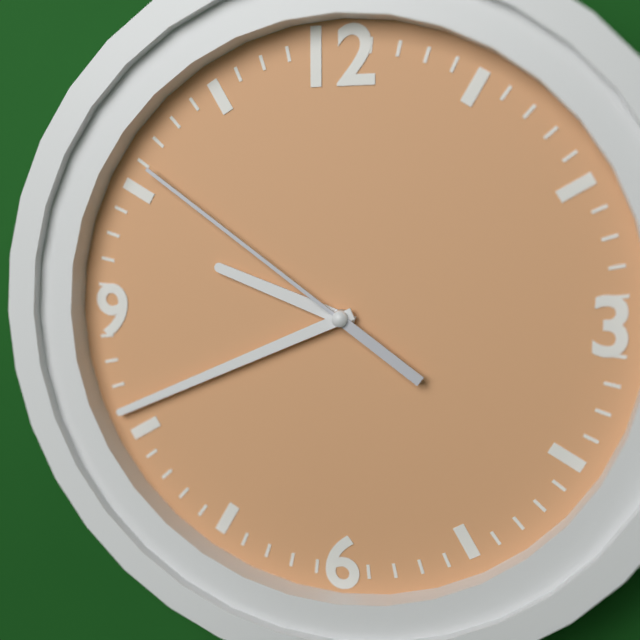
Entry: h=9 m=41 s=51
